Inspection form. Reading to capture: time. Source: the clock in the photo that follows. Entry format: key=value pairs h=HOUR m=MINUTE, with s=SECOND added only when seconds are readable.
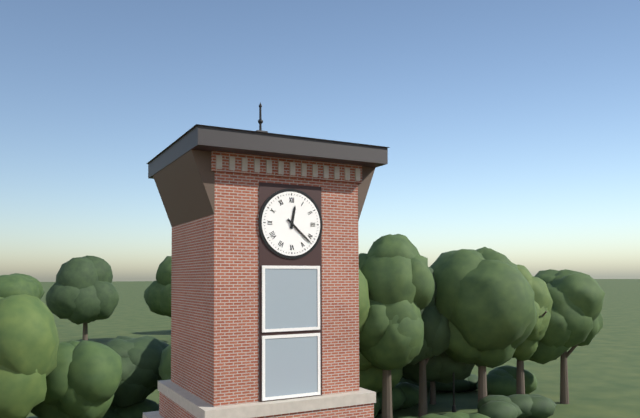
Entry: h=12 m=22
